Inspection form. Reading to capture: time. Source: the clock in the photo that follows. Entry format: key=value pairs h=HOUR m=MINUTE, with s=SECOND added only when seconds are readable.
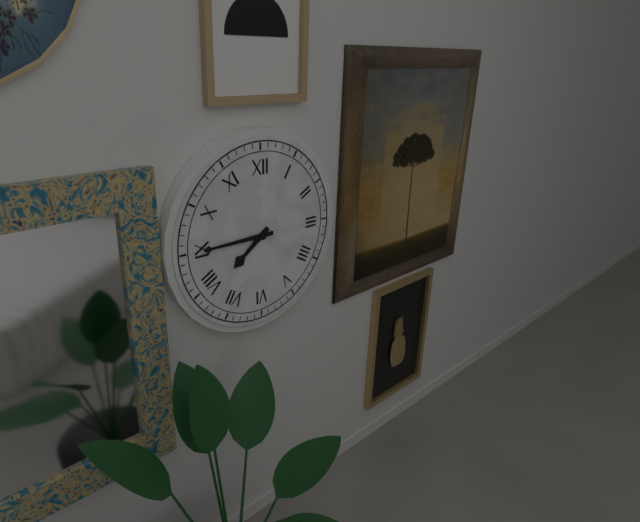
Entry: h=7 m=45
